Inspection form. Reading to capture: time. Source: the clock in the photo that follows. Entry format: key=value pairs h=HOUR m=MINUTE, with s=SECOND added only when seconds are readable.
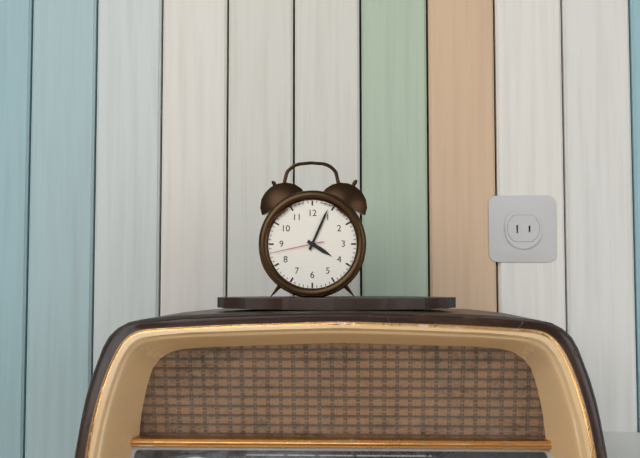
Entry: h=4 m=4 s=43
